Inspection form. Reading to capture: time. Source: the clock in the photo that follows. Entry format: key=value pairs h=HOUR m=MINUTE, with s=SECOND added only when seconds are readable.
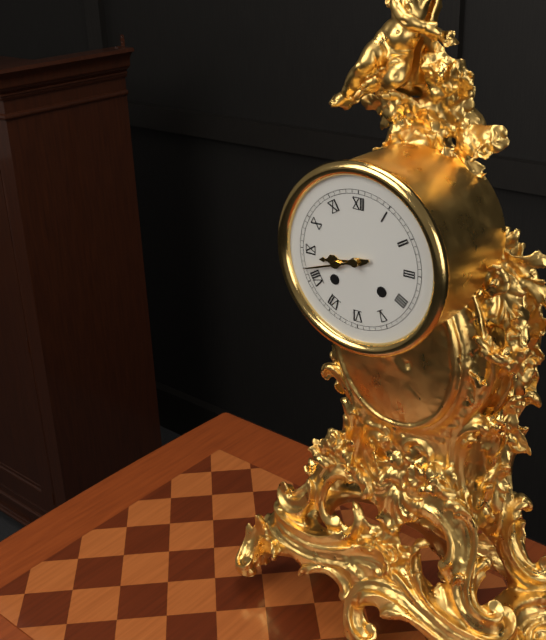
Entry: h=8 m=42
